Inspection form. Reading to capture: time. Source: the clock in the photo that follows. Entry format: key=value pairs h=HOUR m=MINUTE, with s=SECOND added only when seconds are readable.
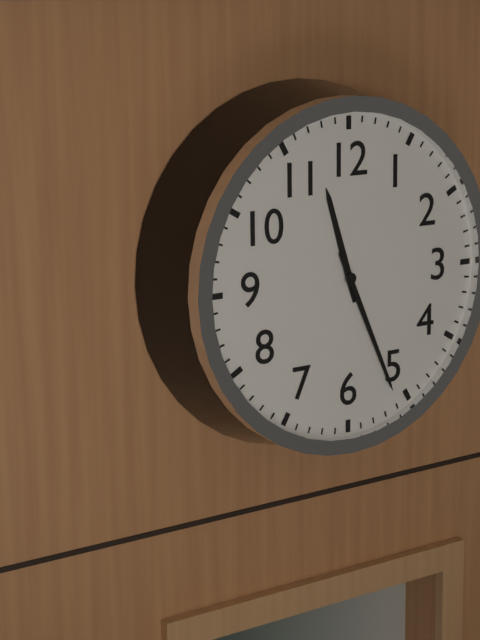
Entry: h=11 m=26
